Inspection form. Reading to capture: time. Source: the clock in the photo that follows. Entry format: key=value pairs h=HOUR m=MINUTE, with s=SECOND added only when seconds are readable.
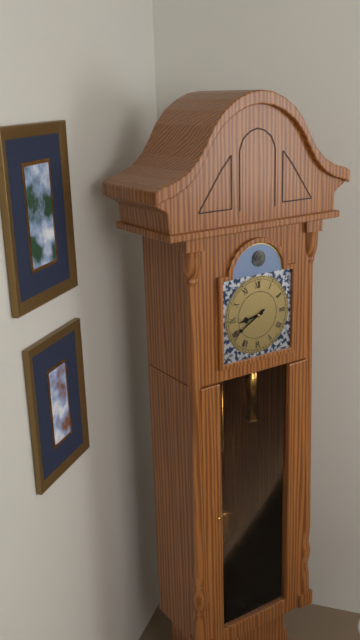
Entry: h=8 m=40
